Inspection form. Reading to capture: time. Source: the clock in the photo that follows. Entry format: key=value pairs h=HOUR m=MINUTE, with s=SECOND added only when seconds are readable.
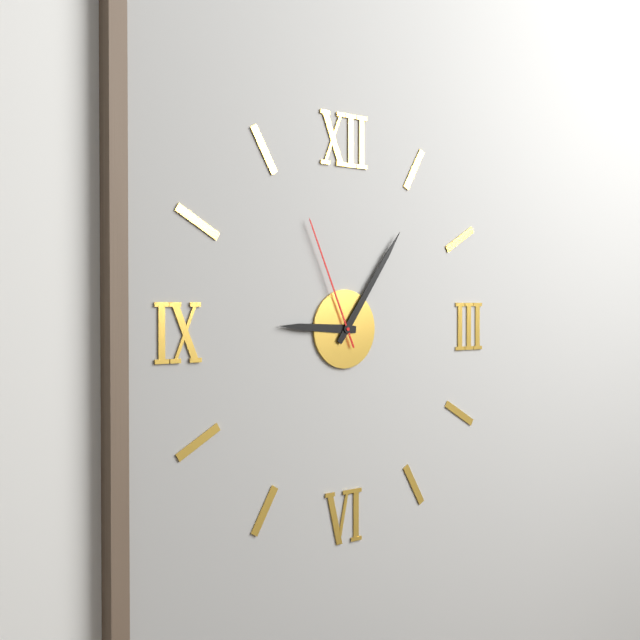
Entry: h=9 m=6 s=56
